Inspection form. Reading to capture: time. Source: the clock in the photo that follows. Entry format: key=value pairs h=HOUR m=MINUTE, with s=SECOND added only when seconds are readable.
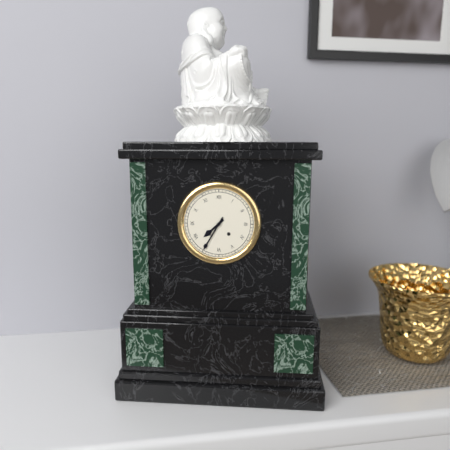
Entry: h=7 m=35
